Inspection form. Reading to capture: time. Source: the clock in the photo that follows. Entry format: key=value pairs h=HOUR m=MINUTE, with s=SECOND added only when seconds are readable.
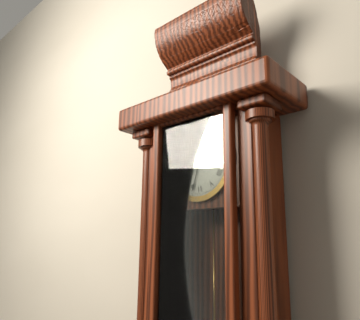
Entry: h=11 m=33
